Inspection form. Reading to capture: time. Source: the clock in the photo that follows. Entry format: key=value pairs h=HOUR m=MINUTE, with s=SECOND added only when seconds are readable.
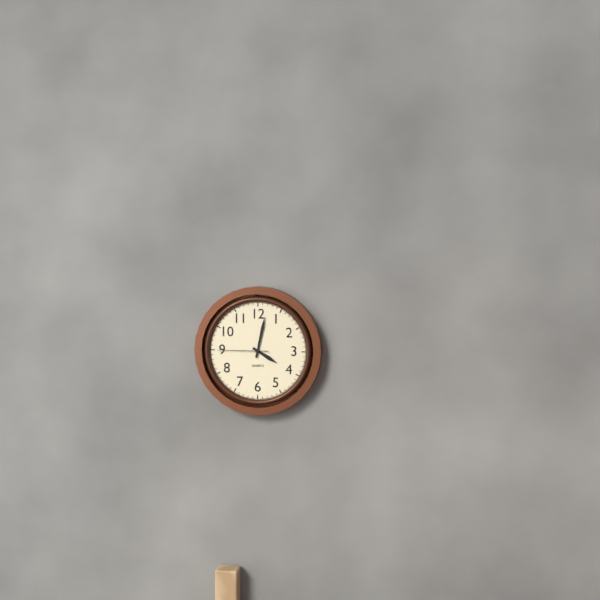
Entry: h=4 m=2 s=45
